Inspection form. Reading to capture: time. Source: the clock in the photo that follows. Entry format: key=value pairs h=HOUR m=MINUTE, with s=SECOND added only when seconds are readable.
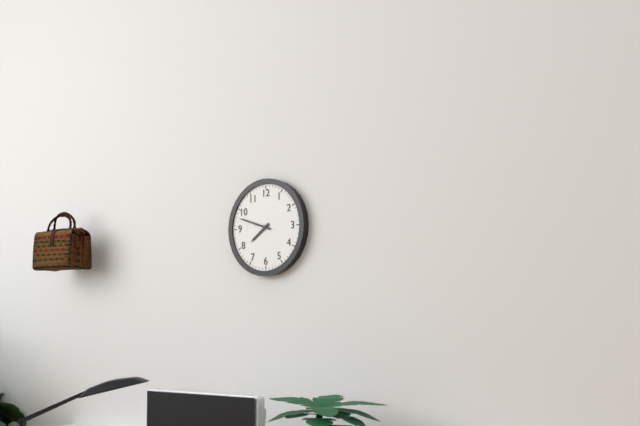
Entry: h=7 m=48
